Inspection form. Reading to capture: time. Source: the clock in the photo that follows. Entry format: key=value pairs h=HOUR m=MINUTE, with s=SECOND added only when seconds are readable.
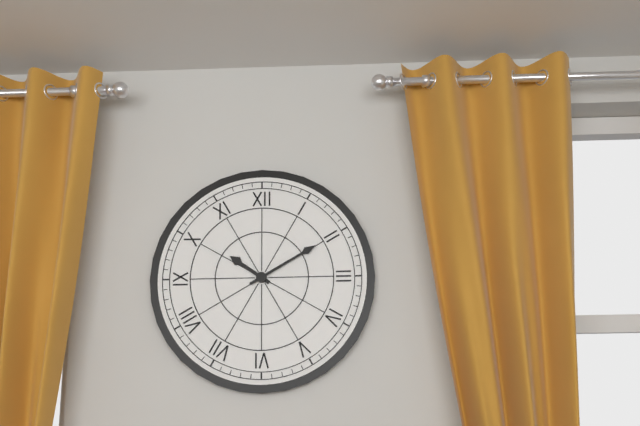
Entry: h=10 m=10
